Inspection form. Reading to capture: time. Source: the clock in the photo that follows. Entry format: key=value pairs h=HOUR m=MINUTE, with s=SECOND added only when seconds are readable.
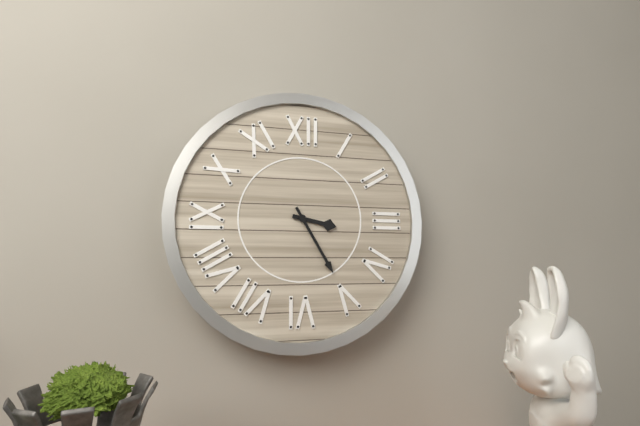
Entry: h=3 m=25
